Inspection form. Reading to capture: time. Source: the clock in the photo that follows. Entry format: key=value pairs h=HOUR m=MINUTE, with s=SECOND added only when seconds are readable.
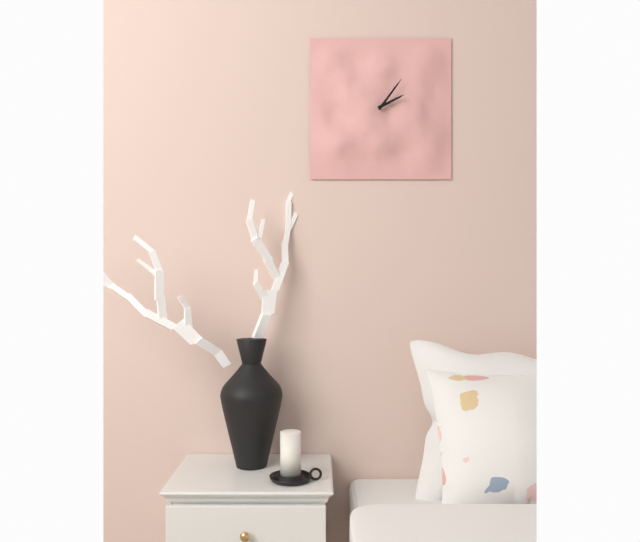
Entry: h=2 m=6
